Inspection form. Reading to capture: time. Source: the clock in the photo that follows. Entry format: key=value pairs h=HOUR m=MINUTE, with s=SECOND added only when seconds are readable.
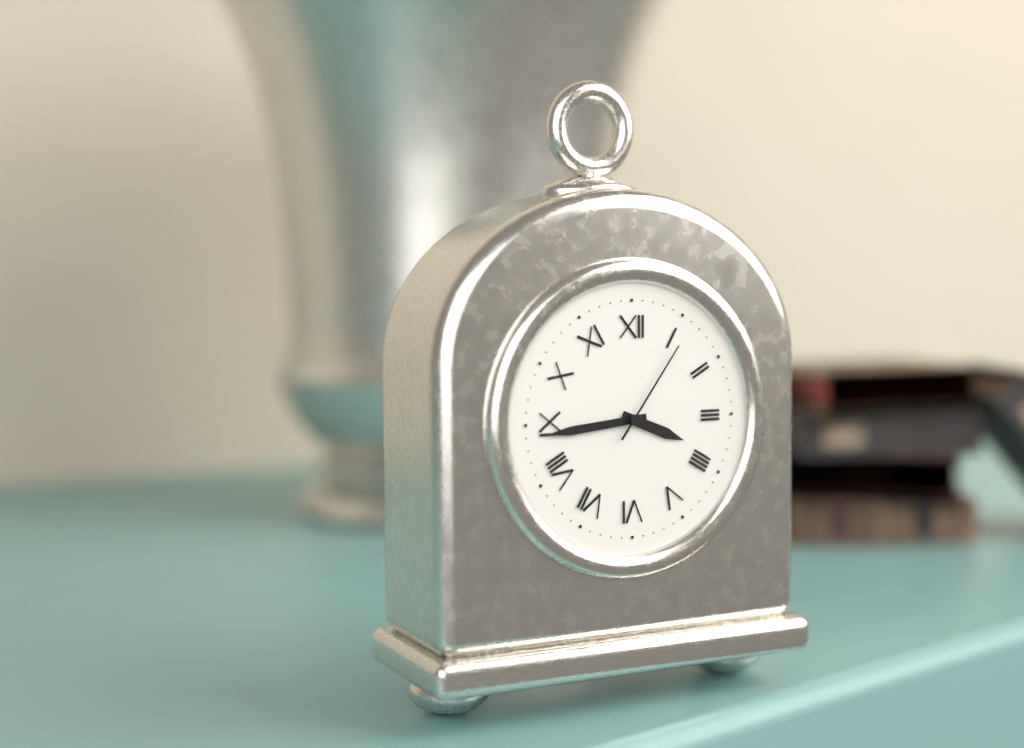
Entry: h=3 m=44 s=6
